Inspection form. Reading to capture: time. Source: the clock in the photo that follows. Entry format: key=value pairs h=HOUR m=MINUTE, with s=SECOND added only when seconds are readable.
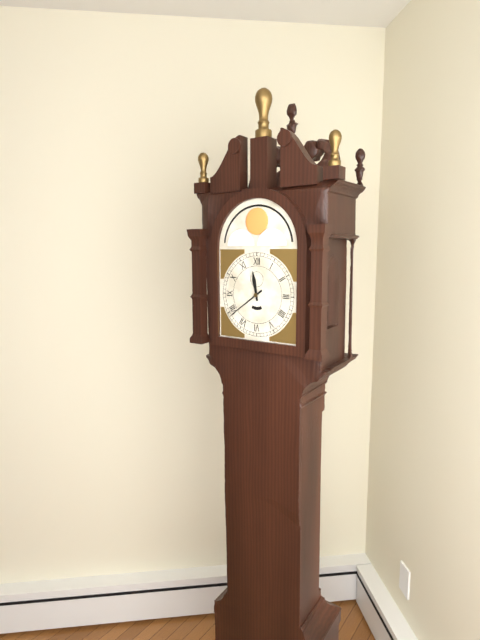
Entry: h=11 m=39
